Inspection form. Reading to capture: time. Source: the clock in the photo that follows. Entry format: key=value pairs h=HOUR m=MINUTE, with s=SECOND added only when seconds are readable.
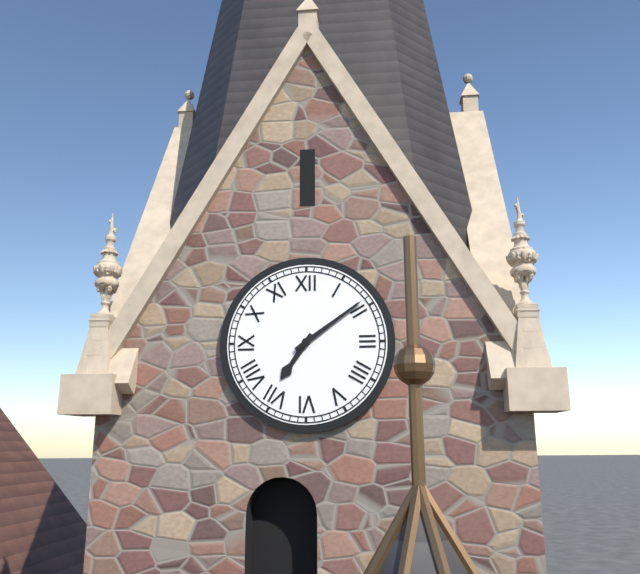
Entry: h=7 m=9
